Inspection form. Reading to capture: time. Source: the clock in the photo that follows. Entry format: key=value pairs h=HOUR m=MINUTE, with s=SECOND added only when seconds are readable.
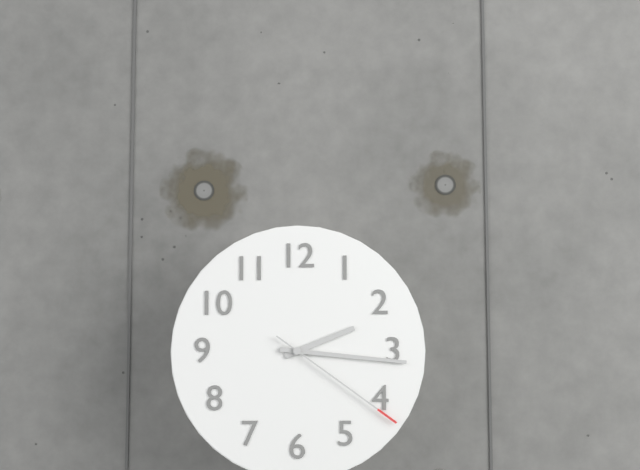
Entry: h=2 m=16 s=21
